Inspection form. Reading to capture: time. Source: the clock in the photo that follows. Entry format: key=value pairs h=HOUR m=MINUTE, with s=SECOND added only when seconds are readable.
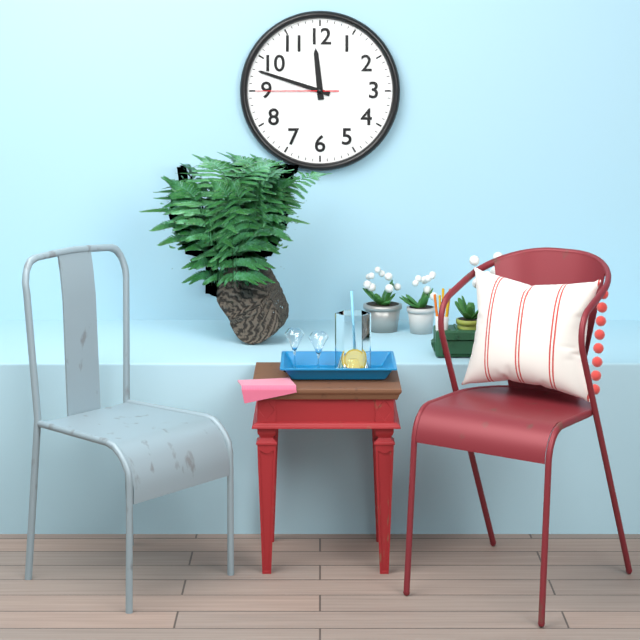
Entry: h=11 m=48 s=45
